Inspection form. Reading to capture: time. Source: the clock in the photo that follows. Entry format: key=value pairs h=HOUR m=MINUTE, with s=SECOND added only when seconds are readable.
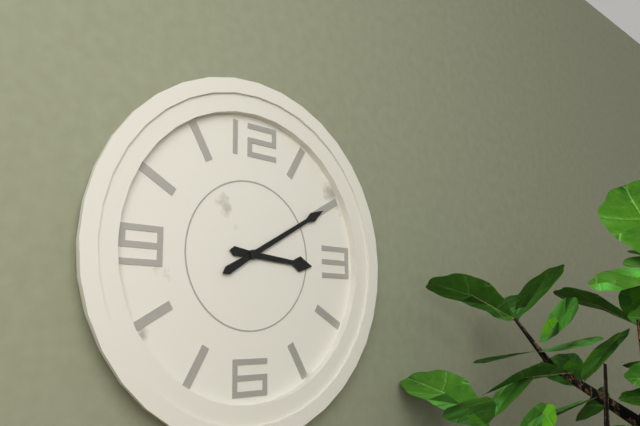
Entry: h=3 m=10
